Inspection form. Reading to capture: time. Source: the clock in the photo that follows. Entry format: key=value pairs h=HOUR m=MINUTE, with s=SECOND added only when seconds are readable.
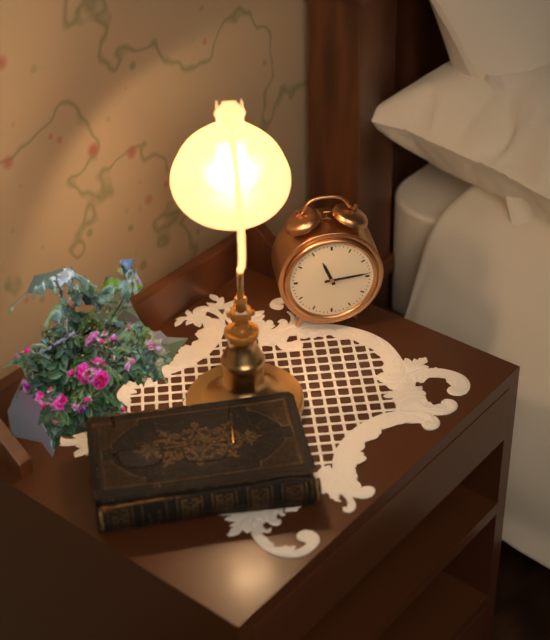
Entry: h=11 m=14
